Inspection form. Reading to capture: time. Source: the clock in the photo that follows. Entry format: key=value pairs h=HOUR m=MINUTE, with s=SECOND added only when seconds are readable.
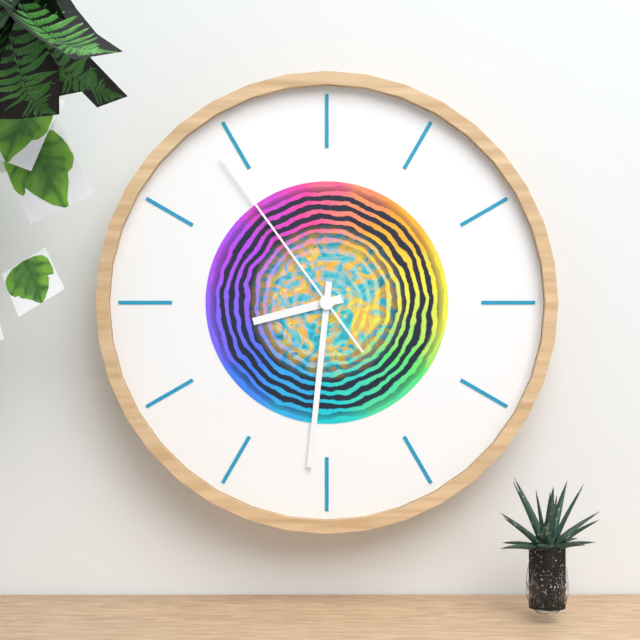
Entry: h=8 m=31 s=54
